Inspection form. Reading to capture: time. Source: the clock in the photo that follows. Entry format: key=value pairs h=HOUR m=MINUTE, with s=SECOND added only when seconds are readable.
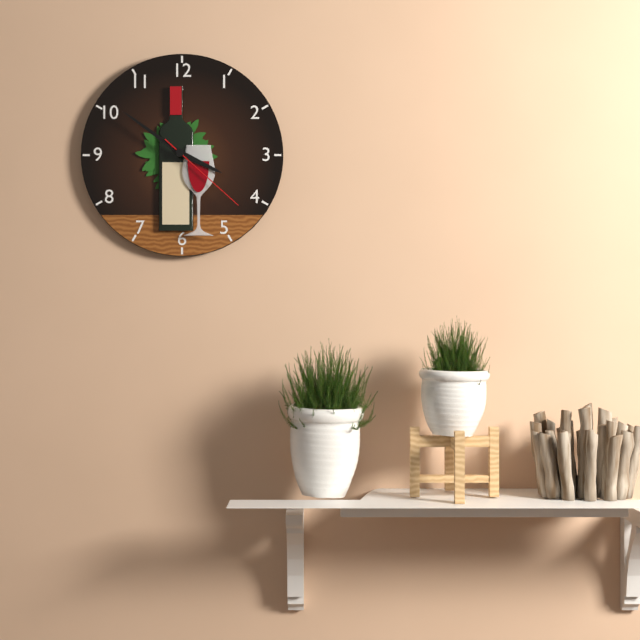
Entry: h=3 m=51 s=22
